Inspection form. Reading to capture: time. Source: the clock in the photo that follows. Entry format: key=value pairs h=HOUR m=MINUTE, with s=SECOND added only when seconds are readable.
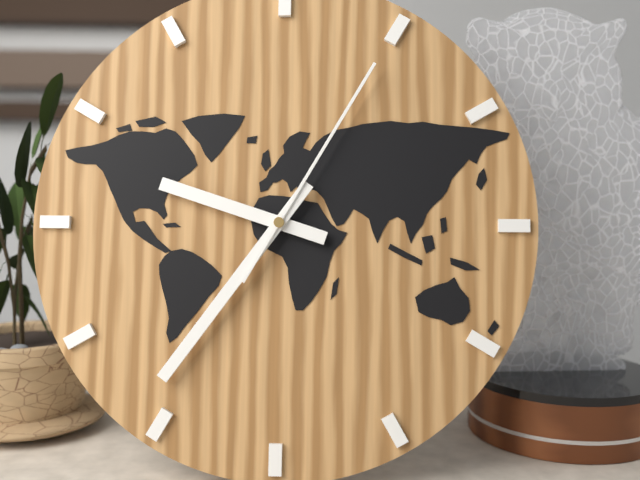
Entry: h=9 m=36 s=5
